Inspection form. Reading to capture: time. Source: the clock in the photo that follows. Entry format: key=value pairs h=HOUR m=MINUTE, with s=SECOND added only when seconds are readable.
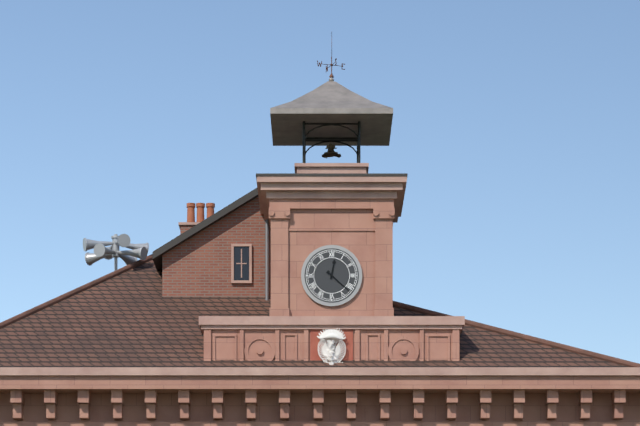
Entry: h=12 m=22
